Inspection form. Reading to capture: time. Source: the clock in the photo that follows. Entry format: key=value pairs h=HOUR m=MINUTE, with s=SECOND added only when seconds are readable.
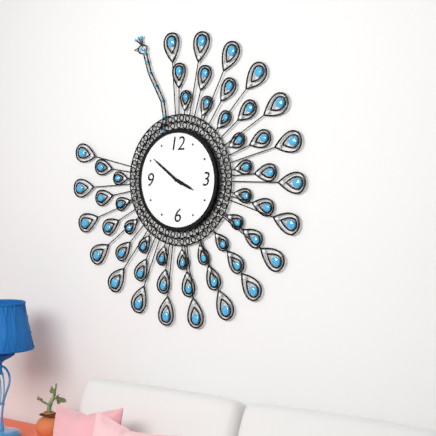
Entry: h=3 m=51
